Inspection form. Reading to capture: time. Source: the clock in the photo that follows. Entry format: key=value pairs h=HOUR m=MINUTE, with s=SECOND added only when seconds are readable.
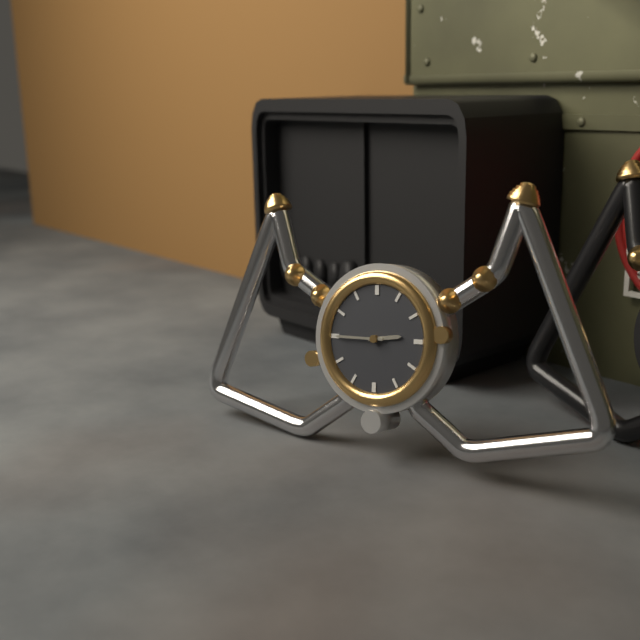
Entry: h=2 m=45
